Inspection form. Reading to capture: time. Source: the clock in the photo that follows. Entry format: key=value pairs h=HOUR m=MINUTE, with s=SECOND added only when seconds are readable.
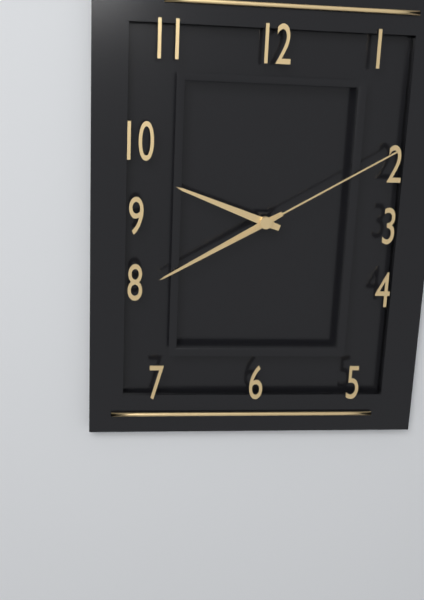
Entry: h=9 m=40 s=10
